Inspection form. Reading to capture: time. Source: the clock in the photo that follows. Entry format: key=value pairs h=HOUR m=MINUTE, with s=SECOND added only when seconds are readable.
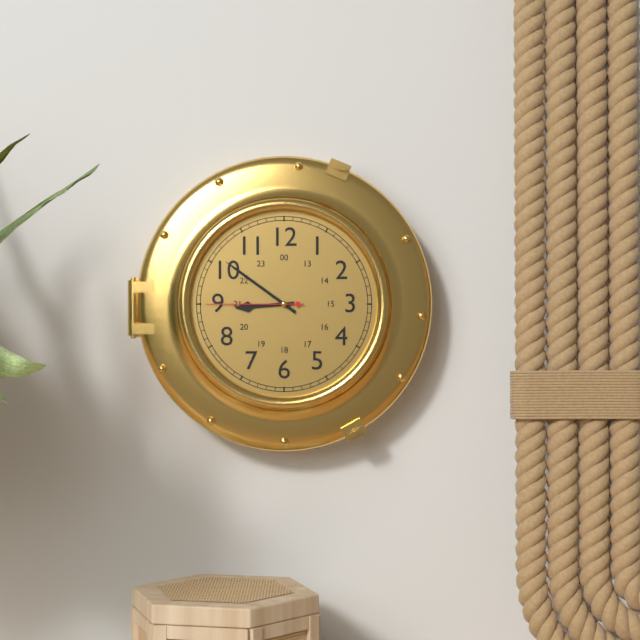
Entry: h=8 m=51 s=45
